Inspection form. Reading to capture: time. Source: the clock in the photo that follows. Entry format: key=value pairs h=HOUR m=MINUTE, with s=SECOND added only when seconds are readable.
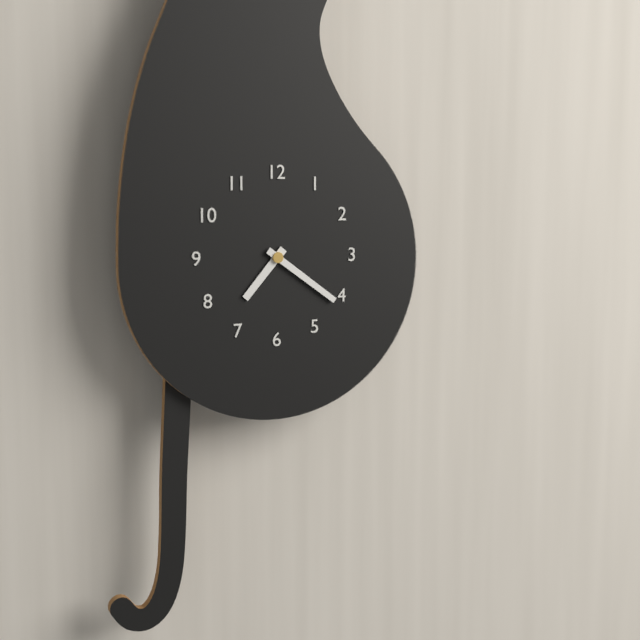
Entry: h=7 m=21
